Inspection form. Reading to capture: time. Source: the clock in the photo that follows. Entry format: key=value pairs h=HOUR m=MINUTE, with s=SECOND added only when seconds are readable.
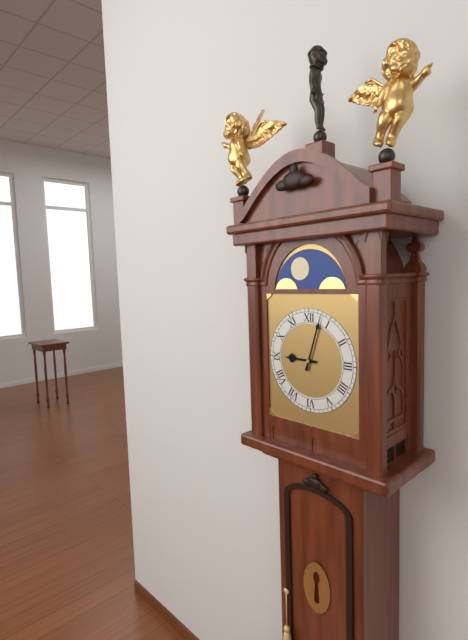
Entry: h=9 m=3
